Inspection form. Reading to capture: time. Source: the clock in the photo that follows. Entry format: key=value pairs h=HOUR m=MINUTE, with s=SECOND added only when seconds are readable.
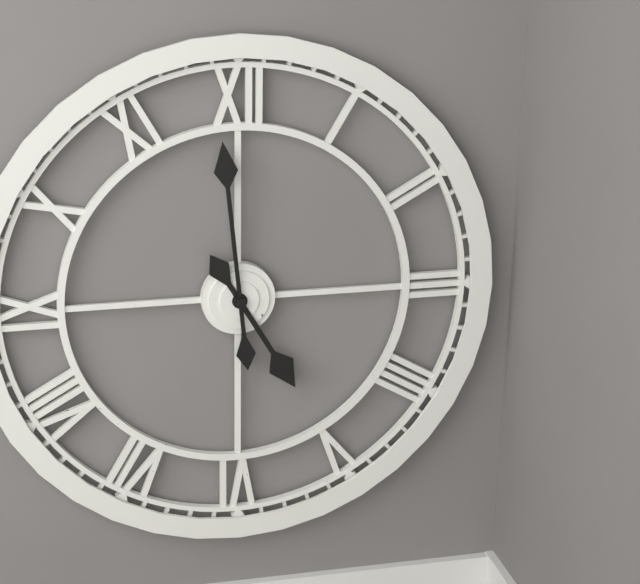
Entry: h=4 m=59
